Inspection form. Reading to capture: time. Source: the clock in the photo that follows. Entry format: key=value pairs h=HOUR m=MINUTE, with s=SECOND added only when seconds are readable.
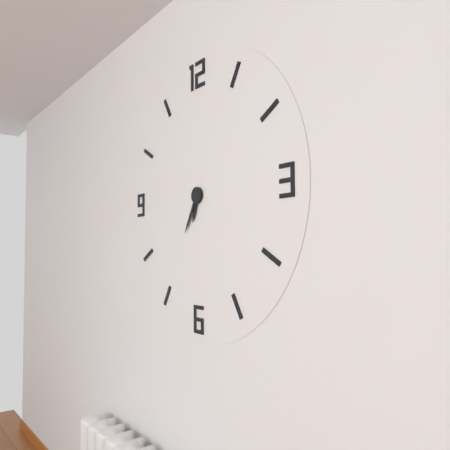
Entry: h=6 m=35
